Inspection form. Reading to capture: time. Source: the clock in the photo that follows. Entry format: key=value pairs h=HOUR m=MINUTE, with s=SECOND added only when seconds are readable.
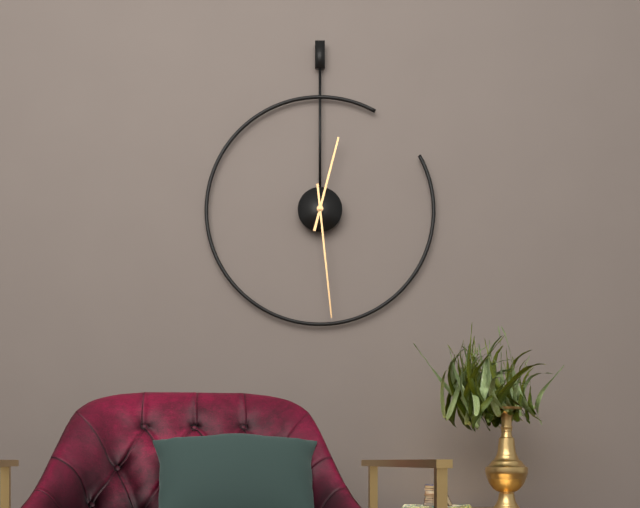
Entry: h=12 m=29
